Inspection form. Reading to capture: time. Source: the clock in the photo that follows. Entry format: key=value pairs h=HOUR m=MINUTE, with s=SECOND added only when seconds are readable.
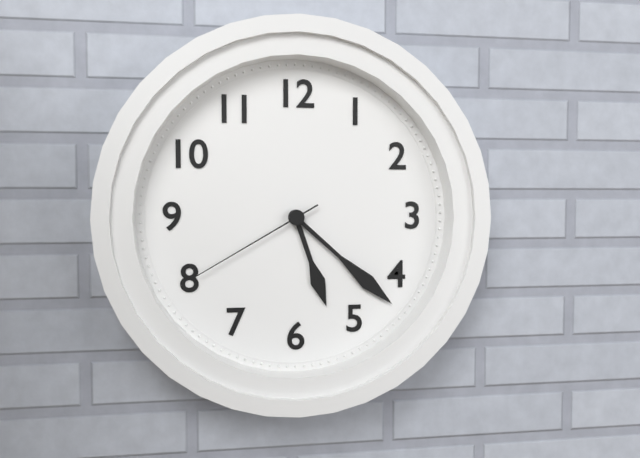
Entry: h=5 m=22 s=40
